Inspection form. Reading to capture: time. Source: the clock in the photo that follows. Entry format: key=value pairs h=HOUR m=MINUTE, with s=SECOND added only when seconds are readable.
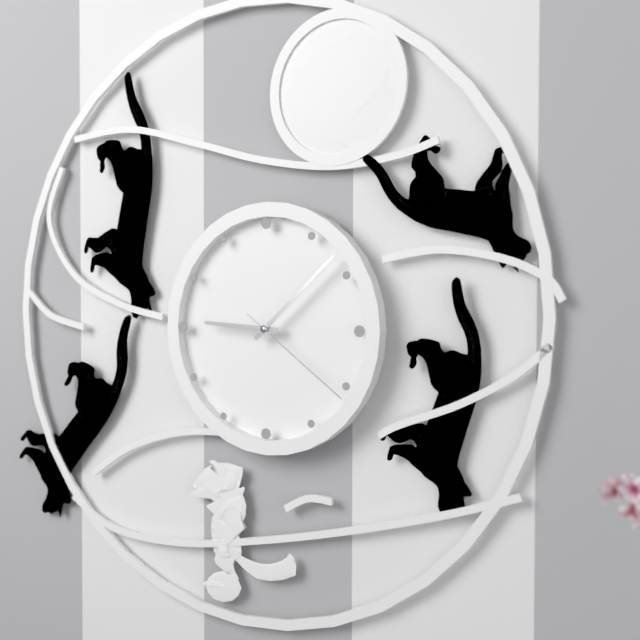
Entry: h=9 m=8 s=21
